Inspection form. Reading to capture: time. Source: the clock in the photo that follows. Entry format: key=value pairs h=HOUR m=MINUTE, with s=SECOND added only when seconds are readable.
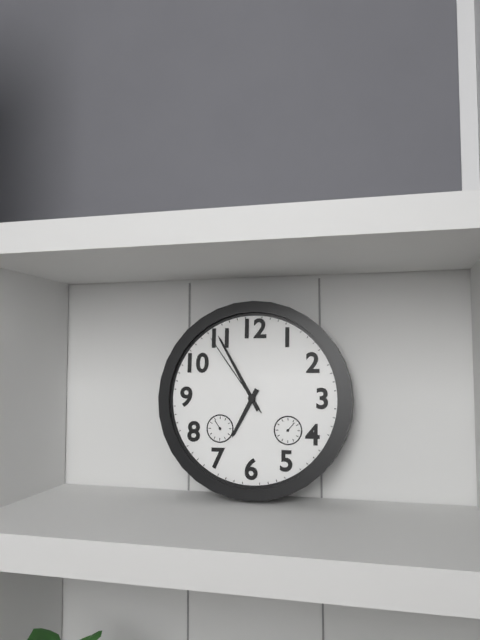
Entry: h=6 m=55 s=54
